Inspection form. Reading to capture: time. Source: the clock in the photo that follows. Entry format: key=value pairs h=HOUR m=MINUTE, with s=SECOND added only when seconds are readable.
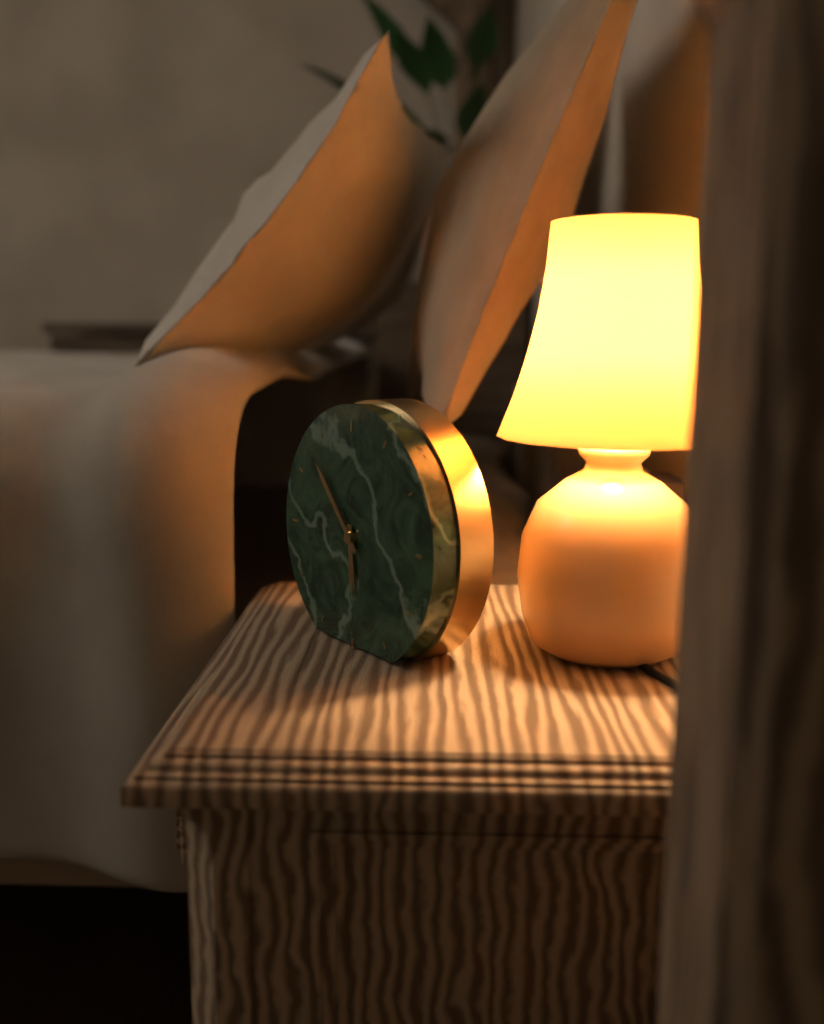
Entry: h=5 m=53
